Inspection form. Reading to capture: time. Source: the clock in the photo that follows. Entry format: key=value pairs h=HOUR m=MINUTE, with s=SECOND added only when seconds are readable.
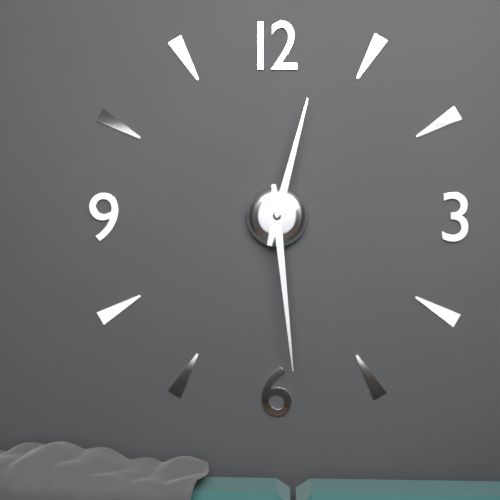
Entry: h=12 m=29
